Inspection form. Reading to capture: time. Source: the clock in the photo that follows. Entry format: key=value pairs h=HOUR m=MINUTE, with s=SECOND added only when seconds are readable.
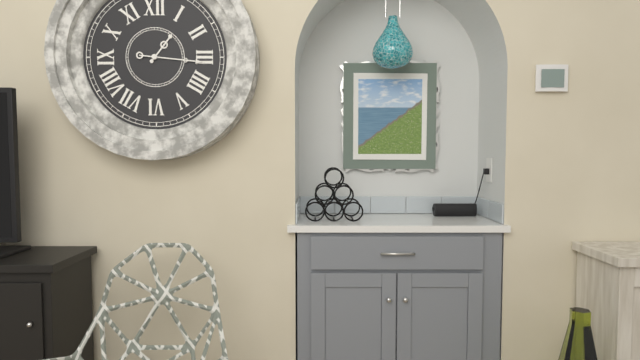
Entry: h=1 m=16
